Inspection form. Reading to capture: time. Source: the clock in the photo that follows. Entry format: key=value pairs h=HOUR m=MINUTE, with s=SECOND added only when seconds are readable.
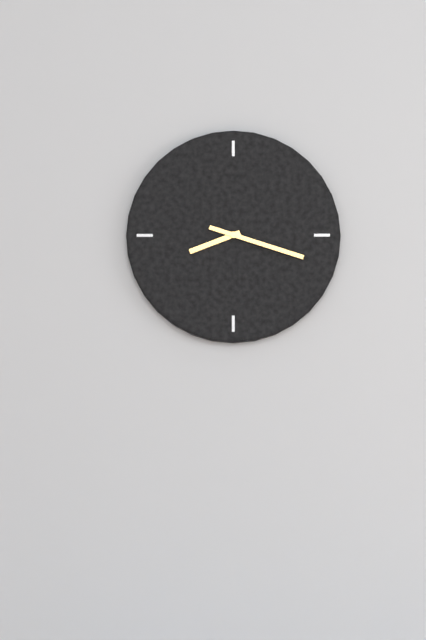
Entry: h=8 m=18
